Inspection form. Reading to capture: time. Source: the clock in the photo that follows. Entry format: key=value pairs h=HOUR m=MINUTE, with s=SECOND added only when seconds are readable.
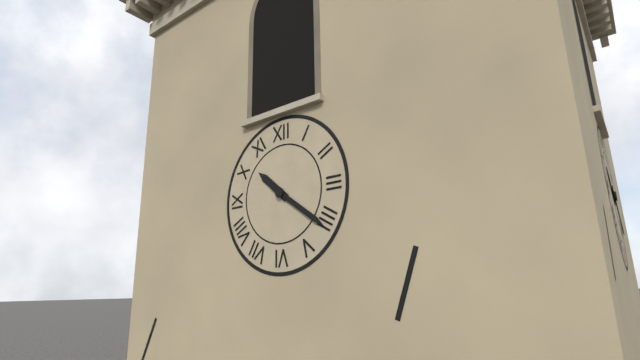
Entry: h=10 m=21
